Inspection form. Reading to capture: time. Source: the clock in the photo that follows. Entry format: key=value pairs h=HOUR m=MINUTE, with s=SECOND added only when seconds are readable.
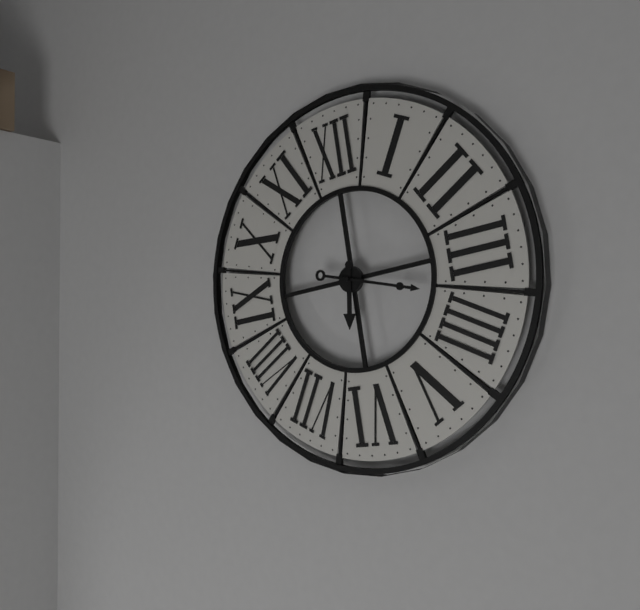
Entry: h=6 m=18
